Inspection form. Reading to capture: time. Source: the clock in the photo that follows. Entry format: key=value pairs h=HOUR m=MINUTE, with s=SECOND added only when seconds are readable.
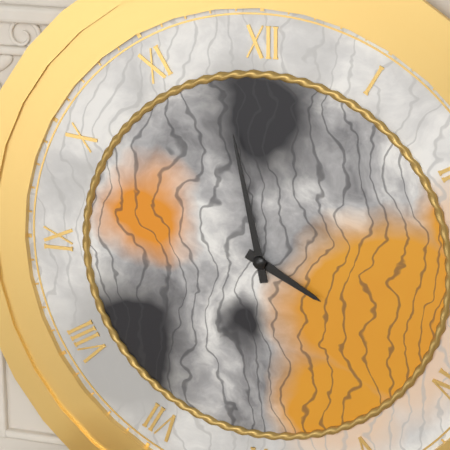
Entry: h=3 m=58
